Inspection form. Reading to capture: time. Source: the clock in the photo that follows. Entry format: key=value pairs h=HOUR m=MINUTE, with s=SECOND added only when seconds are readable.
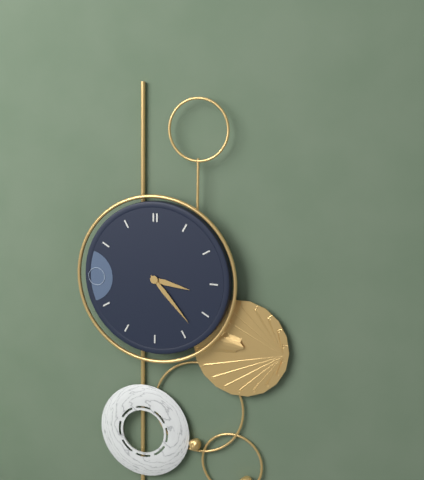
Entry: h=3 m=23
